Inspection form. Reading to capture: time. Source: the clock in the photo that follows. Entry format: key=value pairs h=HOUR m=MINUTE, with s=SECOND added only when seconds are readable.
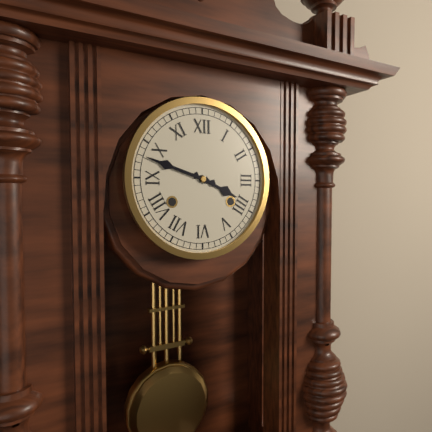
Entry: h=3 m=48
